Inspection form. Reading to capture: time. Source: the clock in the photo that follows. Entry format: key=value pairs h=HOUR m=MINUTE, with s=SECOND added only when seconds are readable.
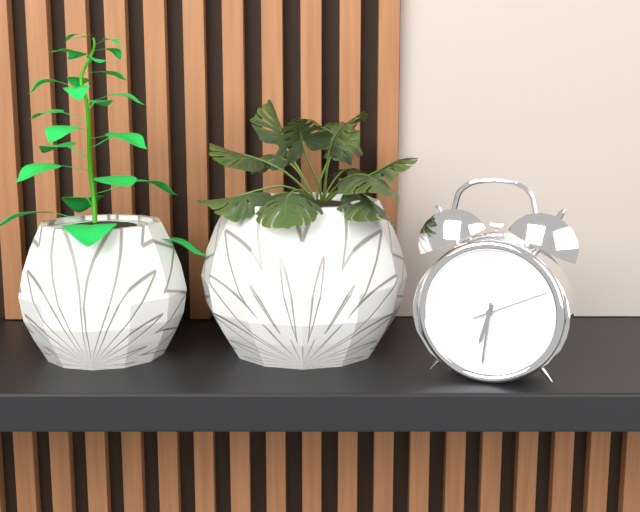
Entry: h=6 m=31 s=11
